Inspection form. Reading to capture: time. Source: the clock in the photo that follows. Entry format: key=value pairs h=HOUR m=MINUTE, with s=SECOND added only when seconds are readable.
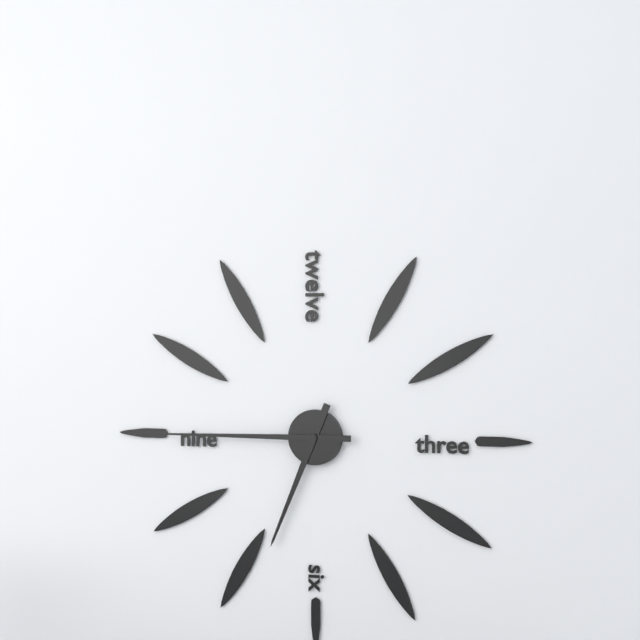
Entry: h=6 m=45
